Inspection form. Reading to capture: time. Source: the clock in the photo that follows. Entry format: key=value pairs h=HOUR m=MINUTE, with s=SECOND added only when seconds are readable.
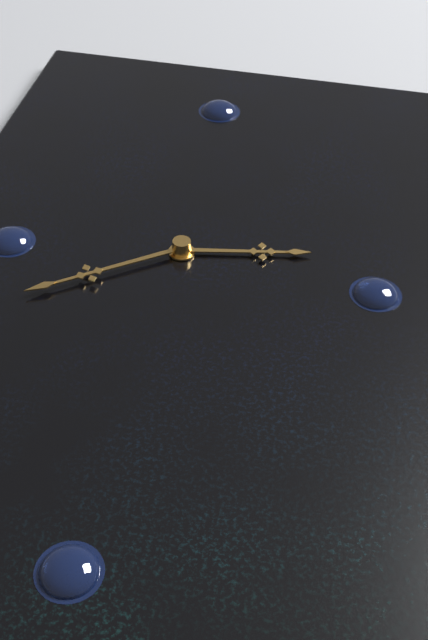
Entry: h=2 m=39
